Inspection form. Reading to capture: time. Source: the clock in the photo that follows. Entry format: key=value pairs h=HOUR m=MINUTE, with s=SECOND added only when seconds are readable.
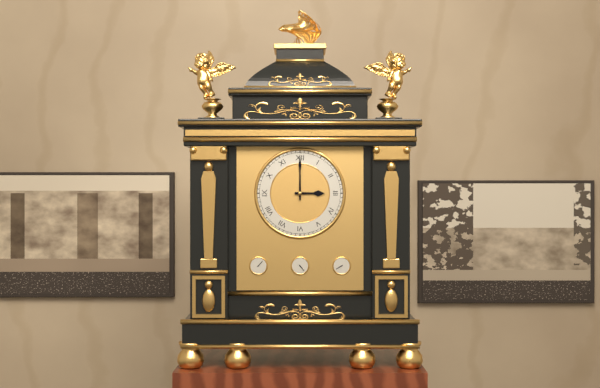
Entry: h=3 m=0
